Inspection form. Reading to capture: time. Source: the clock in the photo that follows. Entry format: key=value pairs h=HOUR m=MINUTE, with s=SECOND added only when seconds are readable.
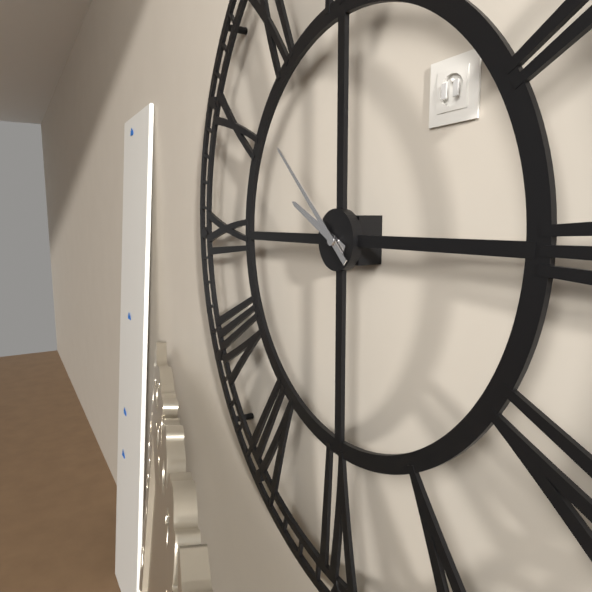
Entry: h=9 m=52
